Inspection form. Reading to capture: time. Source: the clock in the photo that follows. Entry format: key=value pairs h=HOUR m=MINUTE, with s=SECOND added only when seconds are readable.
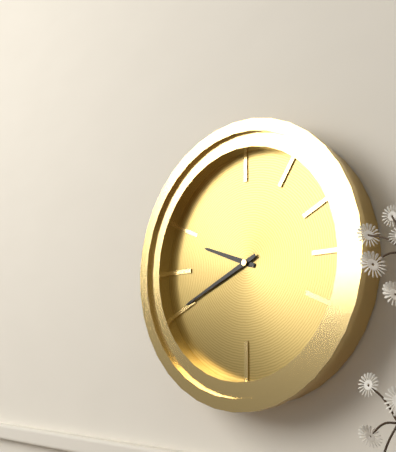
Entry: h=9 m=41
